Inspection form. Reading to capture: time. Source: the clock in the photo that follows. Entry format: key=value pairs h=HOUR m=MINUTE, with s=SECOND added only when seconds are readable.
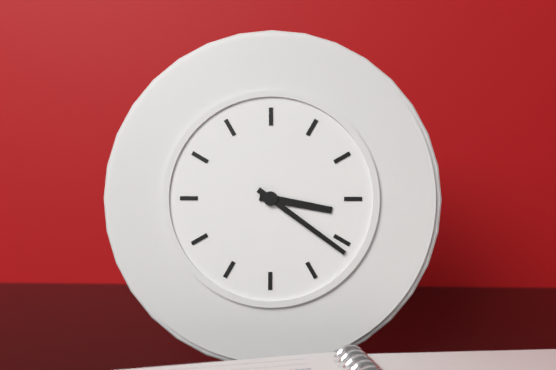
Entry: h=3 m=21
